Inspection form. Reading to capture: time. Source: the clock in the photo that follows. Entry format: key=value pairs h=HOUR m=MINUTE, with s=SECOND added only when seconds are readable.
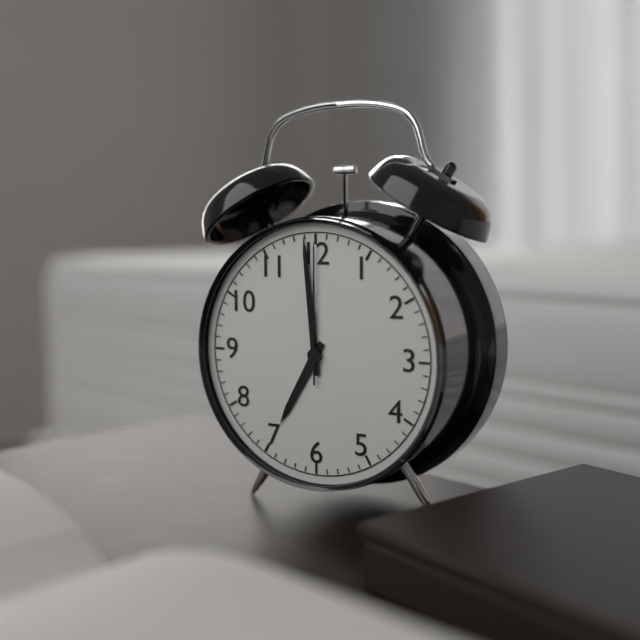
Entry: h=6 m=59 s=0
